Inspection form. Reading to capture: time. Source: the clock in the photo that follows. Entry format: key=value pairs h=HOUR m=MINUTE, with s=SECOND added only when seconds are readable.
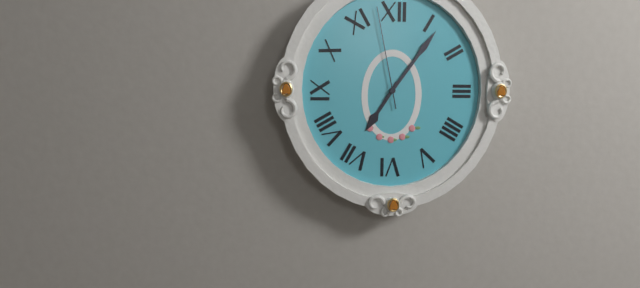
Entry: h=7 m=6 s=58
